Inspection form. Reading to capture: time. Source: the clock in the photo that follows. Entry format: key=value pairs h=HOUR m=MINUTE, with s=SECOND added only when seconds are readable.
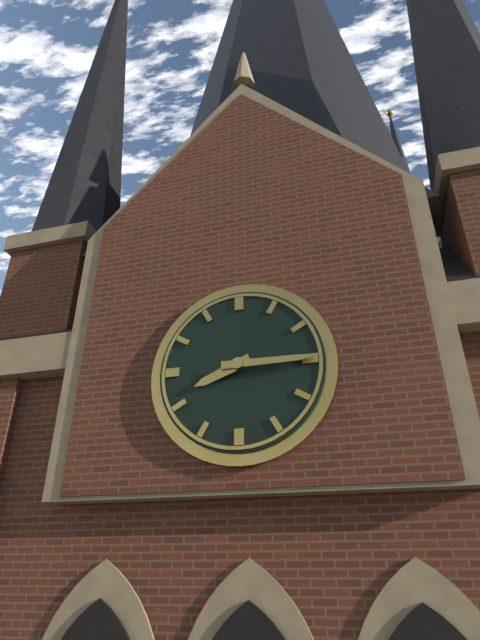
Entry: h=8 m=15
